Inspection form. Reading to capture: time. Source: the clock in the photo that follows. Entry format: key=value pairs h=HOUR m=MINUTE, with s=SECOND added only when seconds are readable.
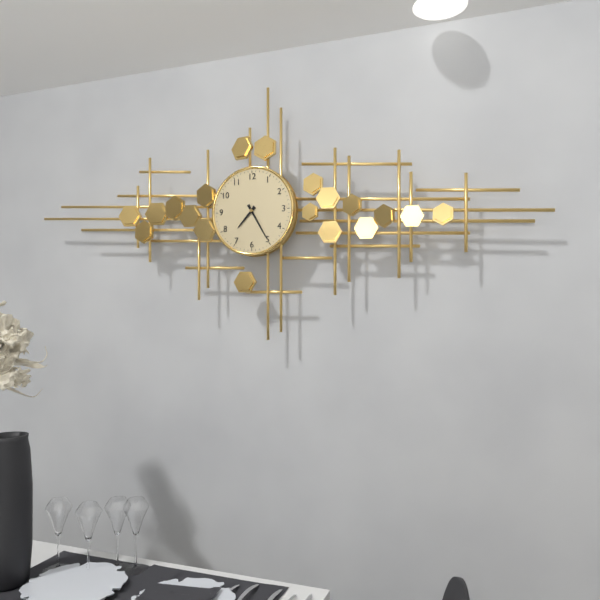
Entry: h=7 m=25
